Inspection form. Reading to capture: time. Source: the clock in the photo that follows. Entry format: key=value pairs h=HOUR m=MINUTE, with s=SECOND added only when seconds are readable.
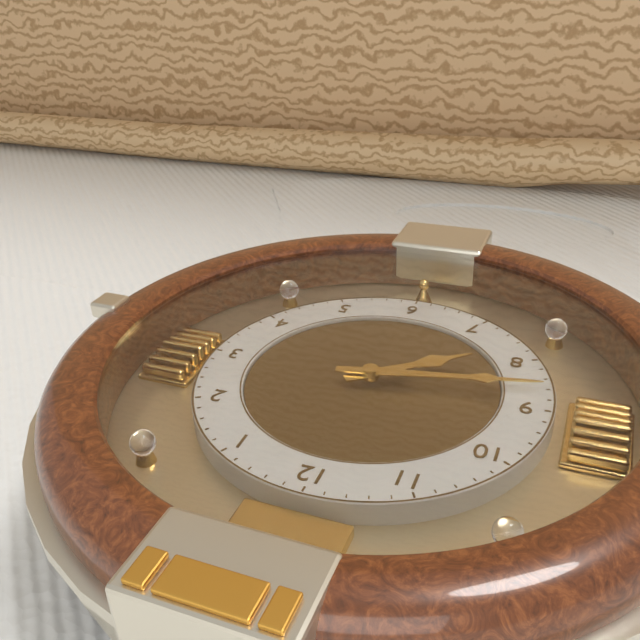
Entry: h=7 m=43
